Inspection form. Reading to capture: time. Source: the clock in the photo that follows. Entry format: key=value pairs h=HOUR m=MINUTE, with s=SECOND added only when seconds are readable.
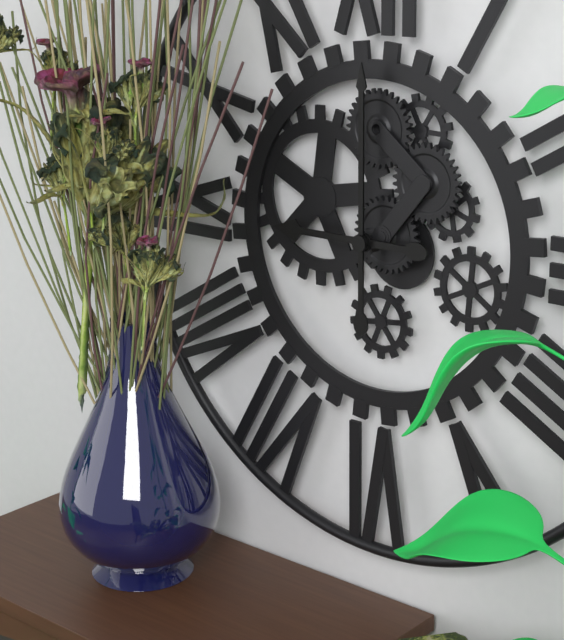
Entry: h=9 m=0
